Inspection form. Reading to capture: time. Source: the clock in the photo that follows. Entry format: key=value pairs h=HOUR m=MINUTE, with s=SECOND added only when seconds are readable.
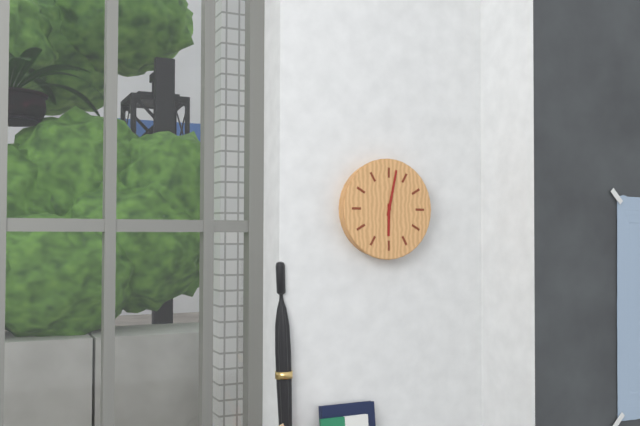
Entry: h=6 m=2
